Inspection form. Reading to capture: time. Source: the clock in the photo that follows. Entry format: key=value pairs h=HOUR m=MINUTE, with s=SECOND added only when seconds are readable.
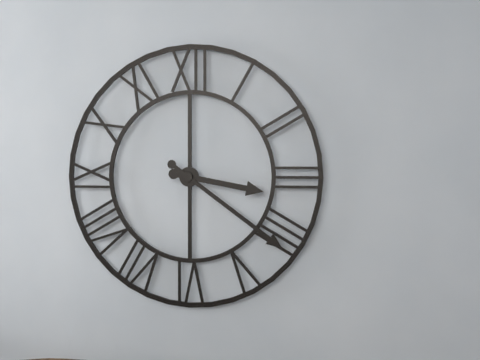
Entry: h=3 m=21
